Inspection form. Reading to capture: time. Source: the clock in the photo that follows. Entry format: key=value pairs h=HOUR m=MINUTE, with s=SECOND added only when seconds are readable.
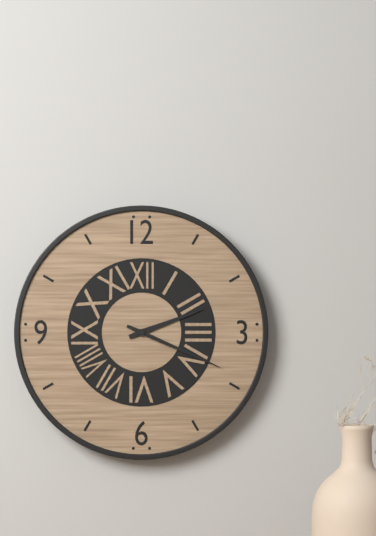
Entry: h=2 m=19
